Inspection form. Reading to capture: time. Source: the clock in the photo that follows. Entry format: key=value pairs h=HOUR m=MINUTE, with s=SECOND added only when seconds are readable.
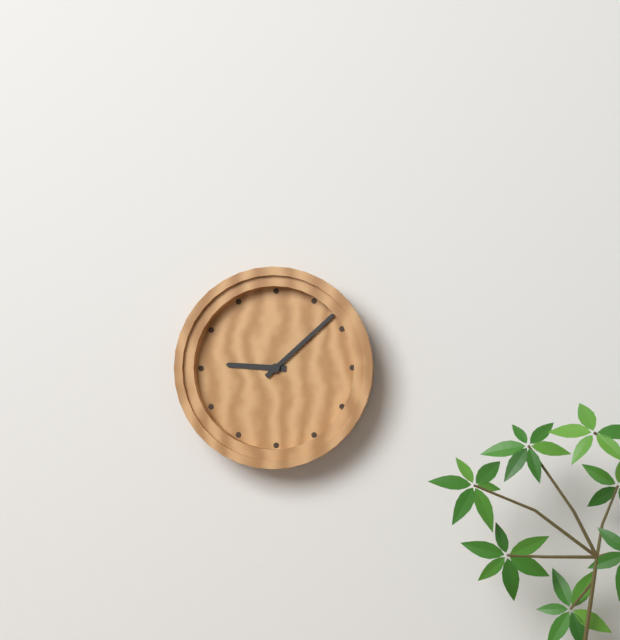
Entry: h=9 m=8
